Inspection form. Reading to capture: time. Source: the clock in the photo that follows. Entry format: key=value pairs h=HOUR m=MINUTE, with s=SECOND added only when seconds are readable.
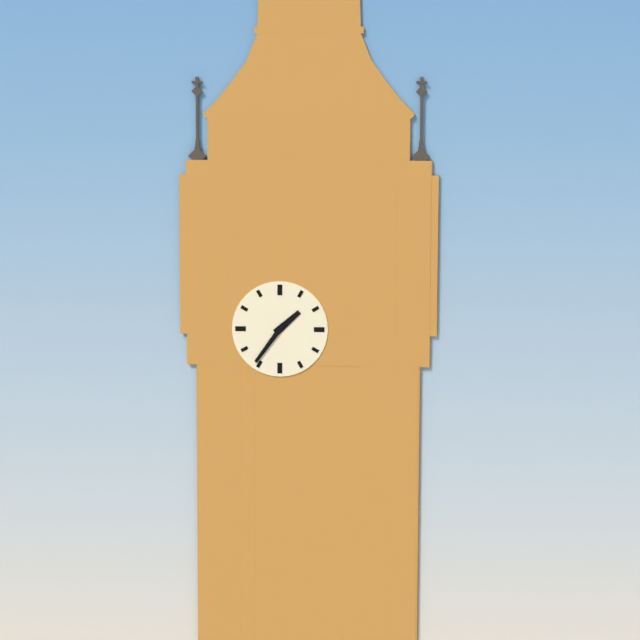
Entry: h=1 m=36
